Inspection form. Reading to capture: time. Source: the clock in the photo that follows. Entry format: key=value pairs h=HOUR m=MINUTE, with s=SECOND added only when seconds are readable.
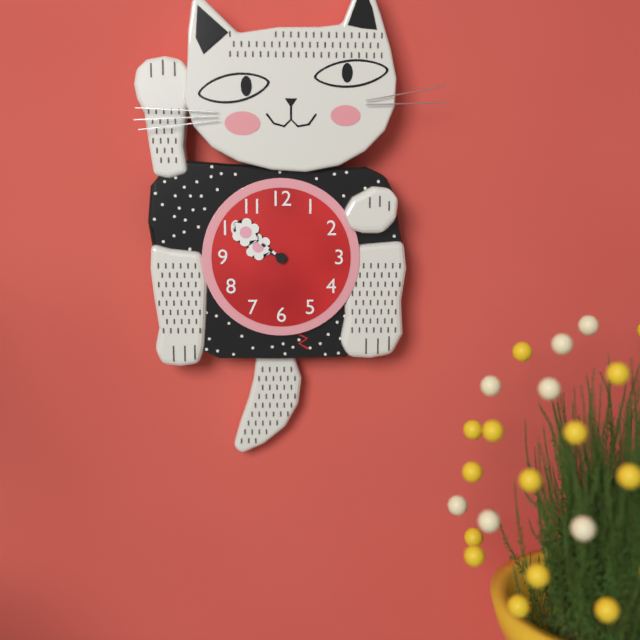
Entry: h=9 m=51
